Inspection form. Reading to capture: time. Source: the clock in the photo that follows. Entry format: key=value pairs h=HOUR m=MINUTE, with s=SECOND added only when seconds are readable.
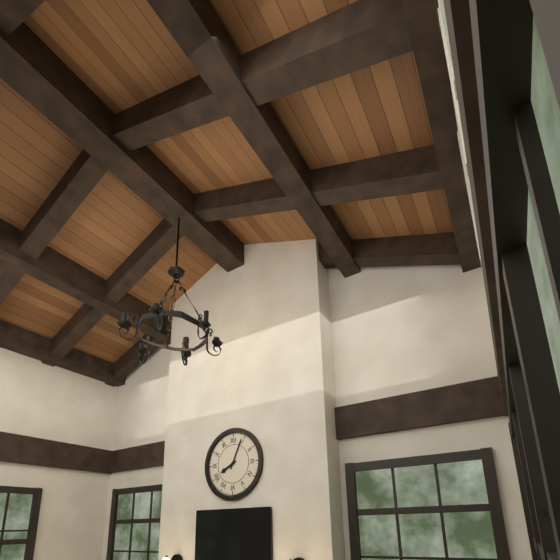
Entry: h=8 m=4
